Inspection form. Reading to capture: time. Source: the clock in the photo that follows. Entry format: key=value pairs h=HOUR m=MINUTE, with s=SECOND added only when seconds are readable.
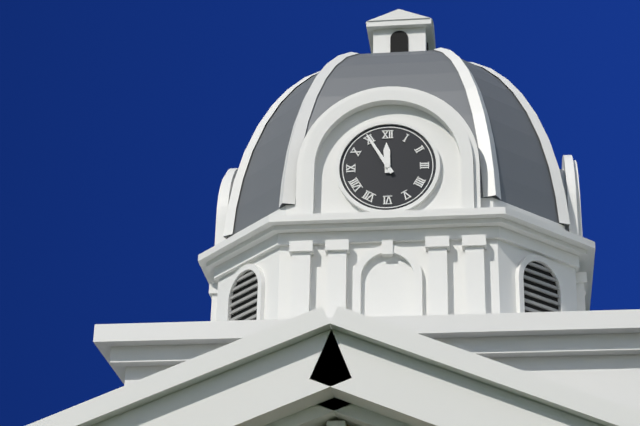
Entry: h=11 m=55
